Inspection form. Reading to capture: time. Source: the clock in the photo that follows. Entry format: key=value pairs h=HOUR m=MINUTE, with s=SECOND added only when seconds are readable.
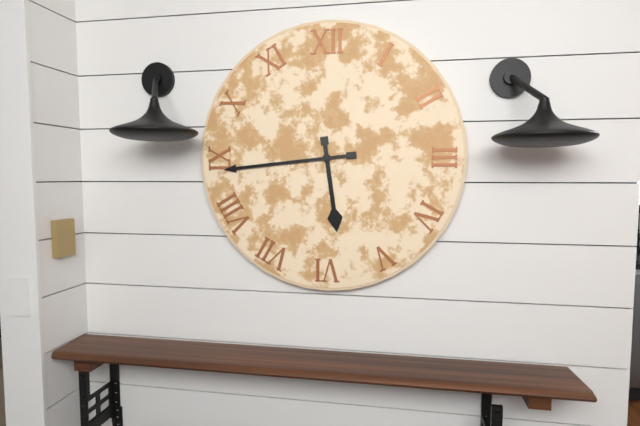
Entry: h=5 m=44
